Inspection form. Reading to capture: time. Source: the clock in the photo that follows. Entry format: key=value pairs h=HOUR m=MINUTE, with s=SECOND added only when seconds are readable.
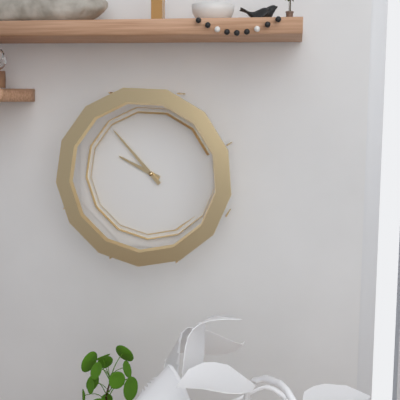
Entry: h=9 m=53
